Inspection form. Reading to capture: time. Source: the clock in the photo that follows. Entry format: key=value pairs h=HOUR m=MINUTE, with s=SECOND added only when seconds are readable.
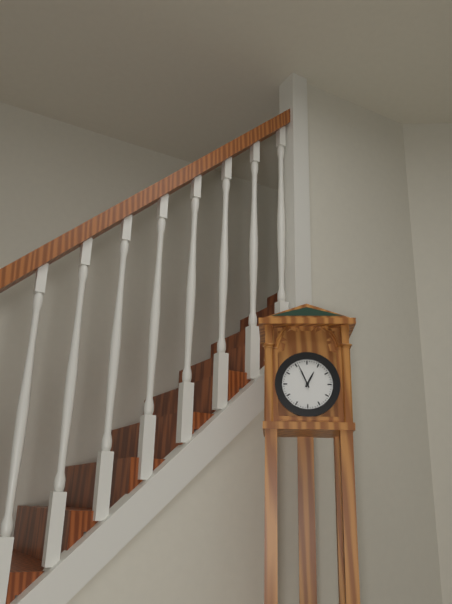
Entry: h=12 m=56
